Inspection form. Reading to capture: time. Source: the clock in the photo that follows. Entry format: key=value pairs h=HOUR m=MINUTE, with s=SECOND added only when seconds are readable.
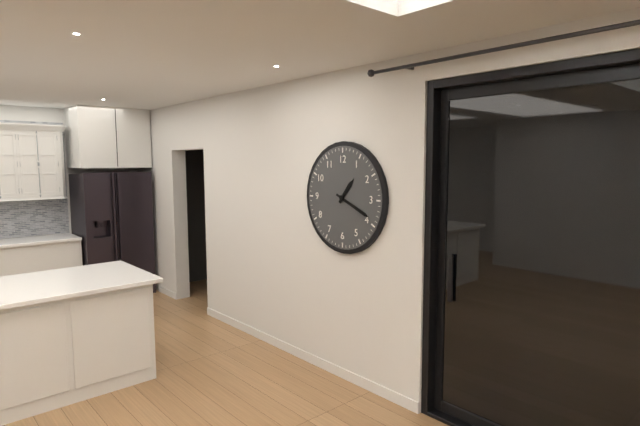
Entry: h=1 m=19
